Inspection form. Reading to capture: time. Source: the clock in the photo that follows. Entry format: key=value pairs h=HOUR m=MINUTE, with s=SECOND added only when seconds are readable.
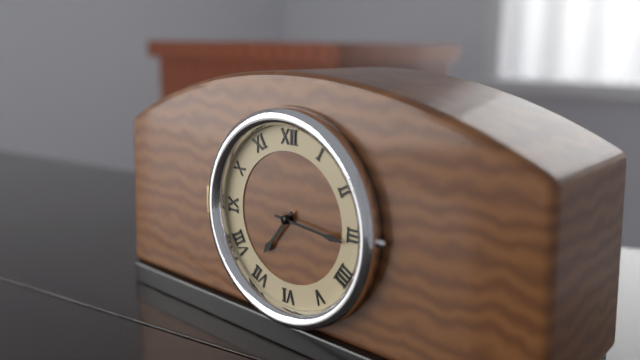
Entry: h=7 m=16
